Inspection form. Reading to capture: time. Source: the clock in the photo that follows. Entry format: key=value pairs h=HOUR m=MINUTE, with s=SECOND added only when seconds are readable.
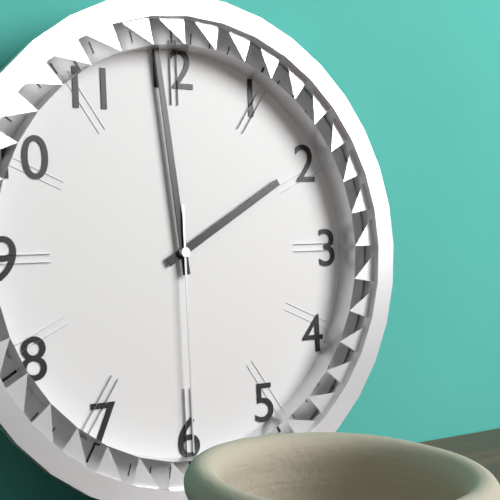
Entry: h=1 m=59 s=30
